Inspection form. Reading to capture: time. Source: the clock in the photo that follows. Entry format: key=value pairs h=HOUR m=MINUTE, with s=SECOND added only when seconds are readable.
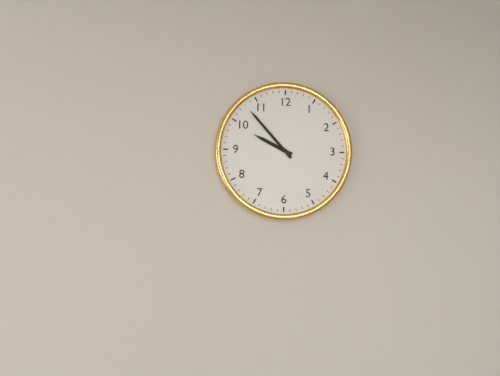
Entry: h=9 m=53
